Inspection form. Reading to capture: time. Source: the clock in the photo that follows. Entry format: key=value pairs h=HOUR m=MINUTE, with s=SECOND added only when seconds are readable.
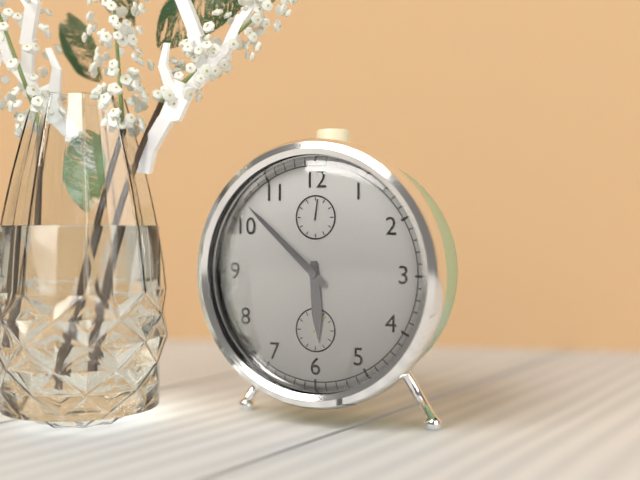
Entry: h=5 m=52
